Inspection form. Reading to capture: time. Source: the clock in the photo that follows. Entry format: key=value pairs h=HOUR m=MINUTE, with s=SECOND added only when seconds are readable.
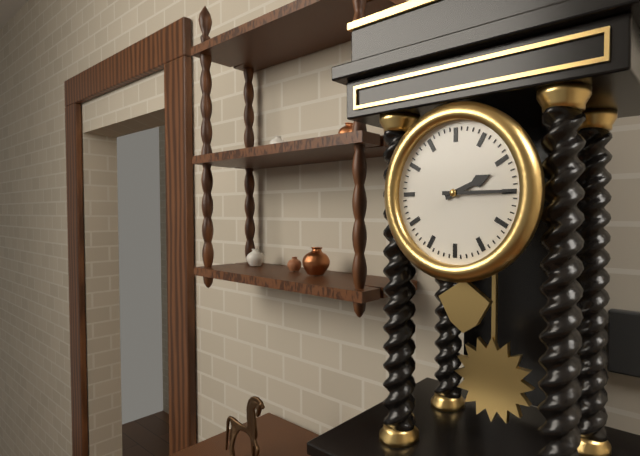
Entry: h=2 m=15
